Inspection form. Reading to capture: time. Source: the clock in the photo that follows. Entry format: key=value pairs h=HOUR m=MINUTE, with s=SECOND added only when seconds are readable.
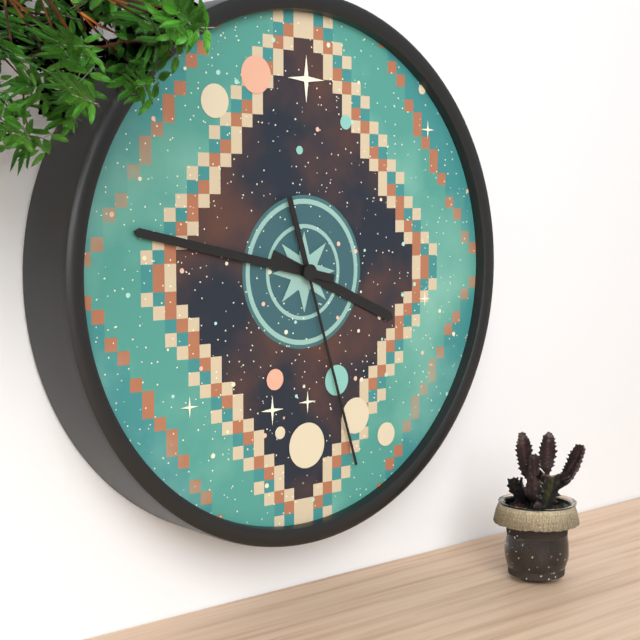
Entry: h=3 m=47 s=27
